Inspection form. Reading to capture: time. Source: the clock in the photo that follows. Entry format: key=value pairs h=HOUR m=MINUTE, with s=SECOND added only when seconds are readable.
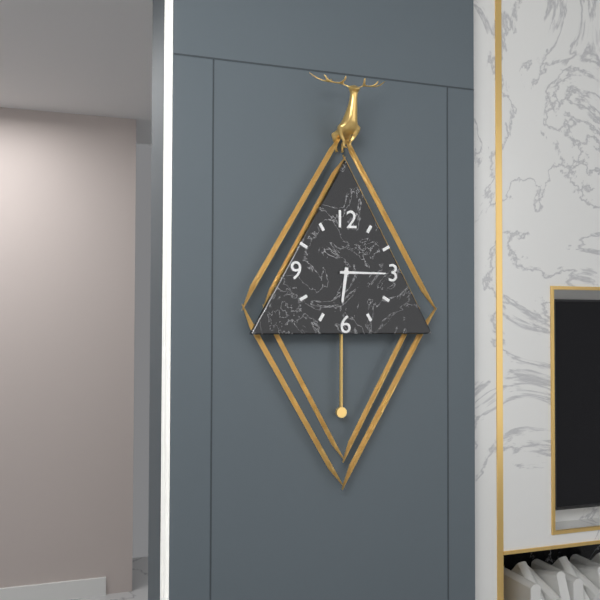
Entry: h=6 m=15
